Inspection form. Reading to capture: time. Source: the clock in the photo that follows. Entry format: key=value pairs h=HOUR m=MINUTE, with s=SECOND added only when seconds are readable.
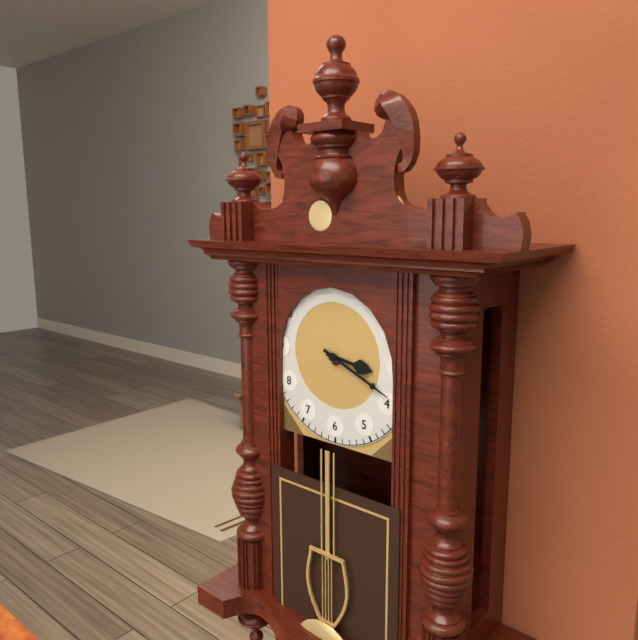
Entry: h=3 m=19
